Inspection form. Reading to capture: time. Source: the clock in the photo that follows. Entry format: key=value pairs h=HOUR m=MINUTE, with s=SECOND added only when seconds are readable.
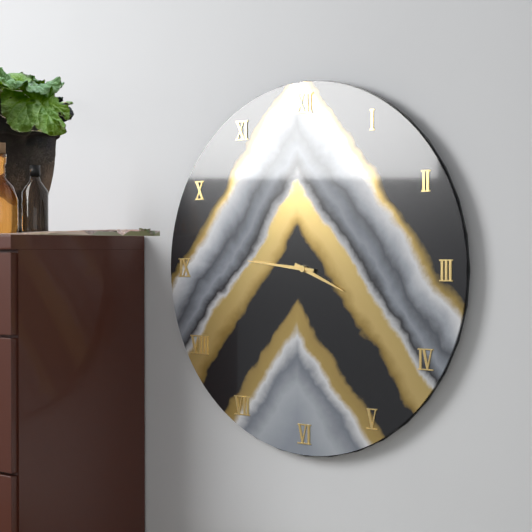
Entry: h=3 m=46
